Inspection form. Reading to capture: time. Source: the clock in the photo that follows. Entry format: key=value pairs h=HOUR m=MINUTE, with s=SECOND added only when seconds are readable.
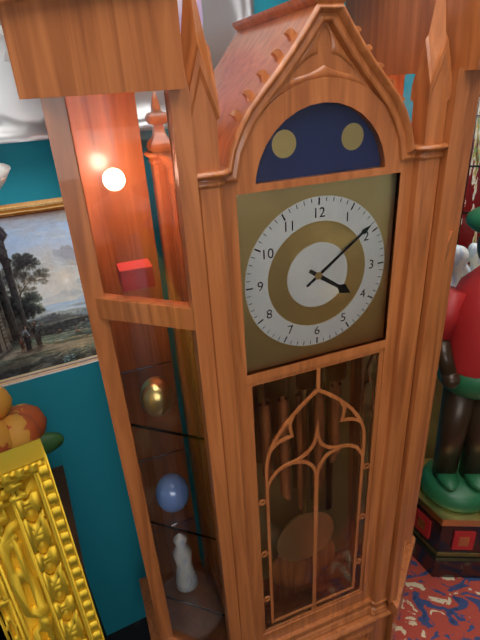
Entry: h=4 m=9
